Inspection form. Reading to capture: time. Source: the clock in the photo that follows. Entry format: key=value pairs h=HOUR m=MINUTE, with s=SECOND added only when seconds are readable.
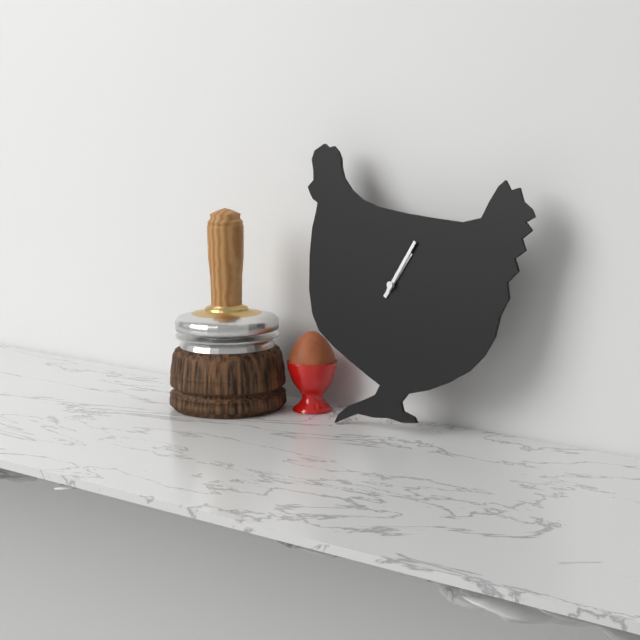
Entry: h=1 m=5
